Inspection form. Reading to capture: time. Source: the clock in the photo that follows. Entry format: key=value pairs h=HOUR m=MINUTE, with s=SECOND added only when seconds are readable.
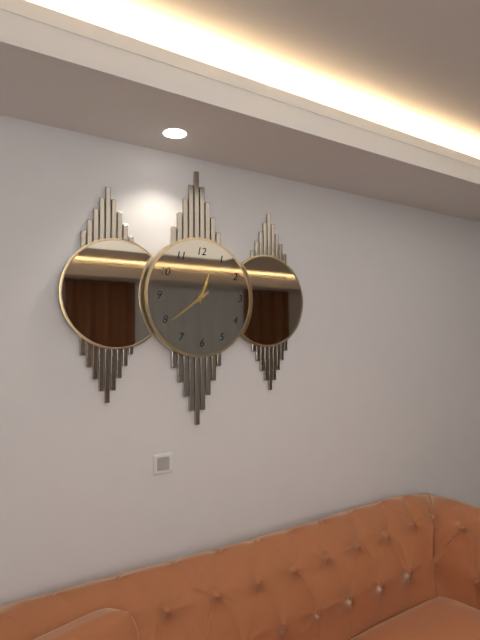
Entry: h=12 m=39
